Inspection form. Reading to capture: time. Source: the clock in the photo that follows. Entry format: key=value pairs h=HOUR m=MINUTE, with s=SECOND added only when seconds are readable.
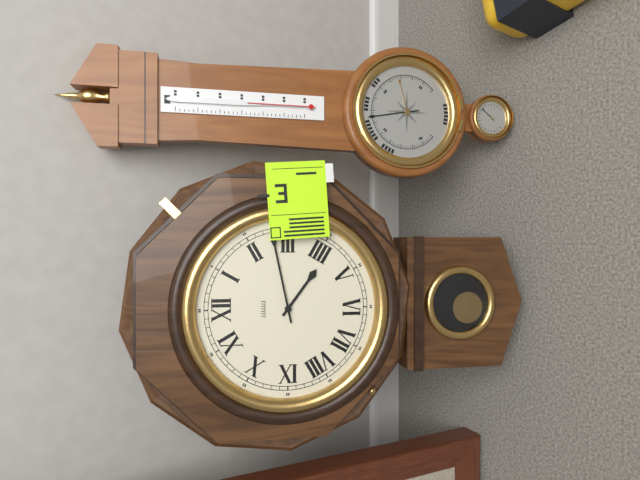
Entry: h=4 m=13
